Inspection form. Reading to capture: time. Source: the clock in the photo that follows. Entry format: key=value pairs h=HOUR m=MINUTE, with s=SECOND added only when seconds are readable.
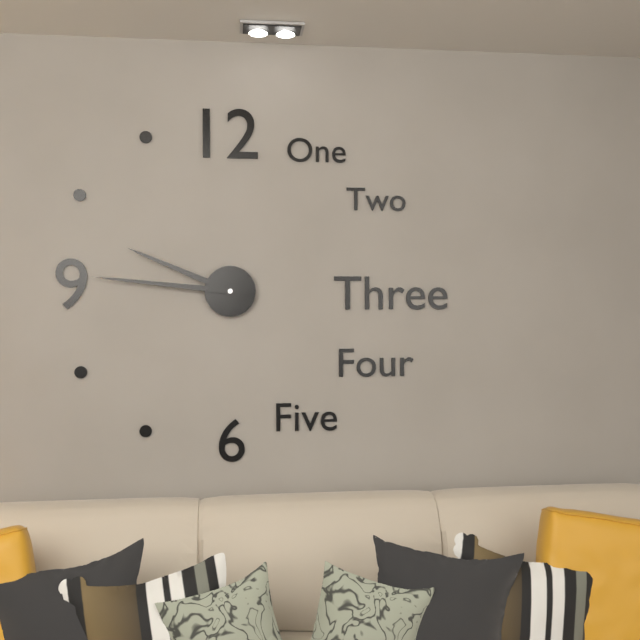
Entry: h=9 m=46
